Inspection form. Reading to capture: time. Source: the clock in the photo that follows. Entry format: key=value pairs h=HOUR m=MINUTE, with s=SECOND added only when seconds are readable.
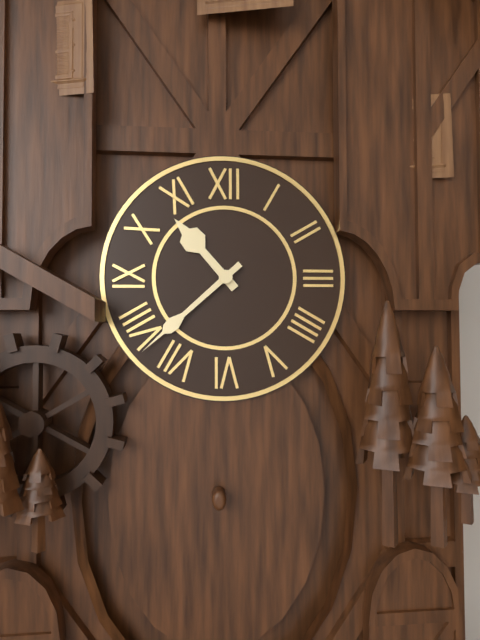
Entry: h=10 m=38
